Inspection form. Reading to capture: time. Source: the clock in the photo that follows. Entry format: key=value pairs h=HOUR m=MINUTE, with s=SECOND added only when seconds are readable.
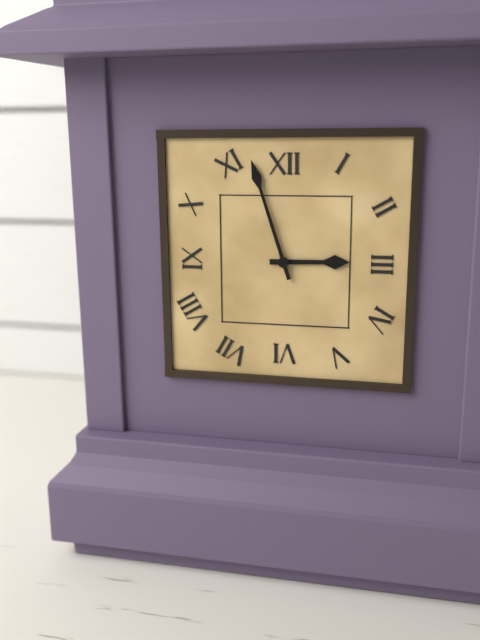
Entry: h=2 m=57
